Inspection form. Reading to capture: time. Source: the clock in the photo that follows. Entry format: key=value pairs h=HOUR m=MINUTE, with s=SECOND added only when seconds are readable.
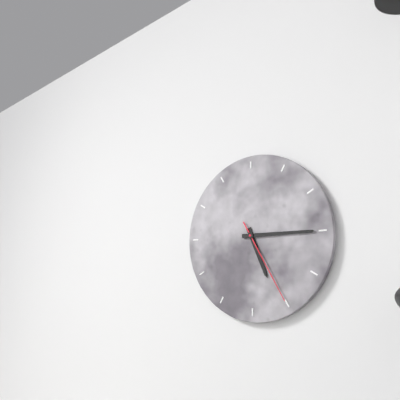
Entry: h=5 m=15 s=25
